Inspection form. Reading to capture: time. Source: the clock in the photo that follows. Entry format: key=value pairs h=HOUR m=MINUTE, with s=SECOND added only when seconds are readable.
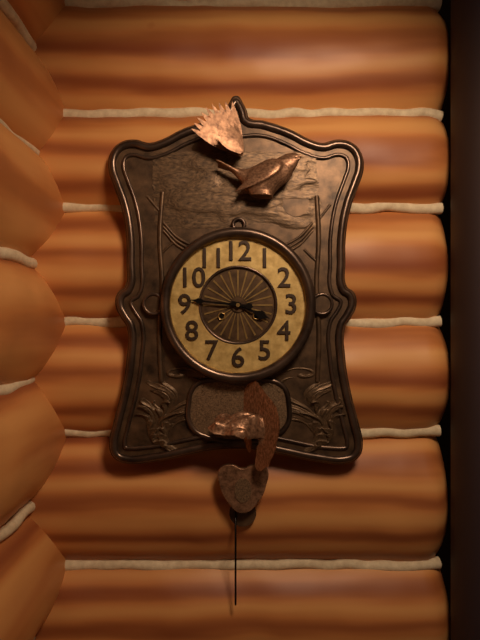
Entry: h=3 m=46
